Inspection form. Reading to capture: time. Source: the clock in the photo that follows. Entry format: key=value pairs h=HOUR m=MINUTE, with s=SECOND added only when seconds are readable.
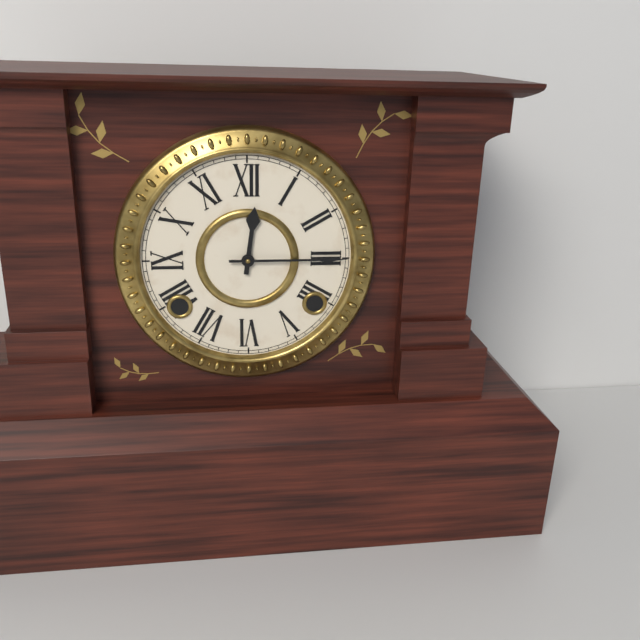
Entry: h=12 m=15
